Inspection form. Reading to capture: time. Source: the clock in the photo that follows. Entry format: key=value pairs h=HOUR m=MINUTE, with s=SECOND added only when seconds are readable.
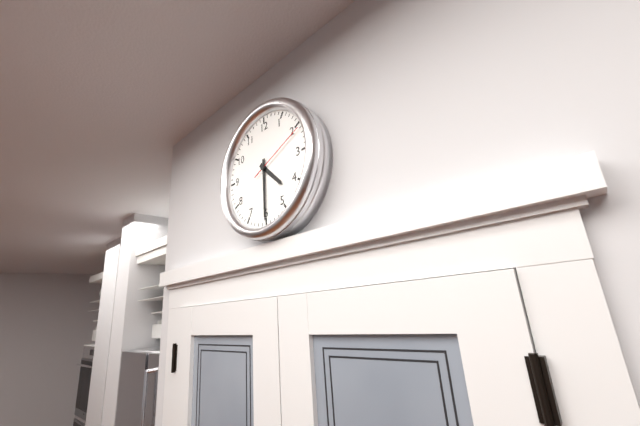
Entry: h=4 m=30 s=11
